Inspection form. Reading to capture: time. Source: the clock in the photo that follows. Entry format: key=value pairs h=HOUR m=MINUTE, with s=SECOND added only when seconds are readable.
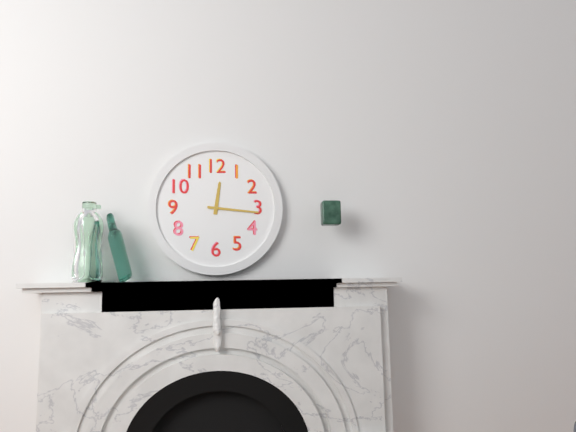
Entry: h=12 m=16
